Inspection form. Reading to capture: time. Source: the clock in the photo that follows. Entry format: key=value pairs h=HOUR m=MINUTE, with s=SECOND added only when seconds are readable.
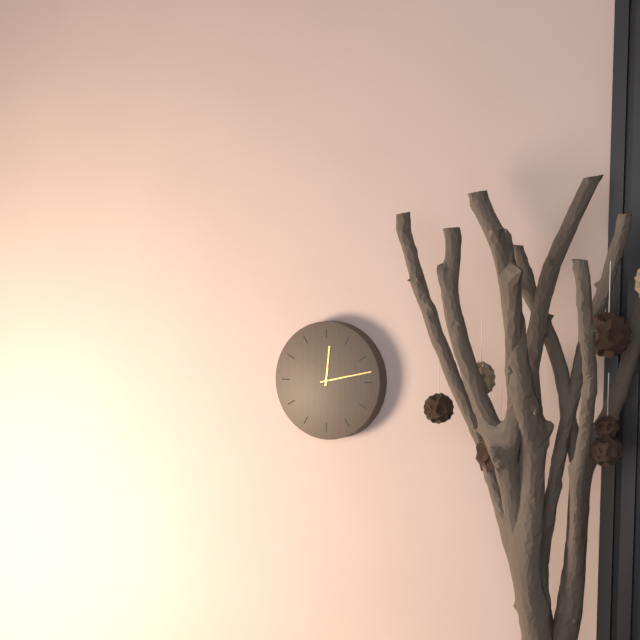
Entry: h=12 m=13
